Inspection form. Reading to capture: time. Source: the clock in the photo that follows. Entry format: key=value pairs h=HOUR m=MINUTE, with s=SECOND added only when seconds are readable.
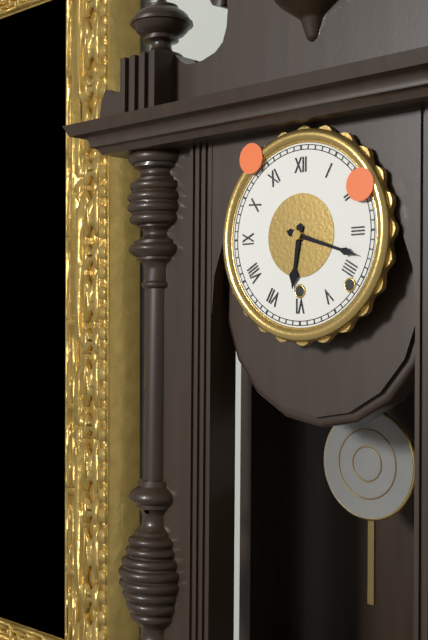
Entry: h=6 m=18
